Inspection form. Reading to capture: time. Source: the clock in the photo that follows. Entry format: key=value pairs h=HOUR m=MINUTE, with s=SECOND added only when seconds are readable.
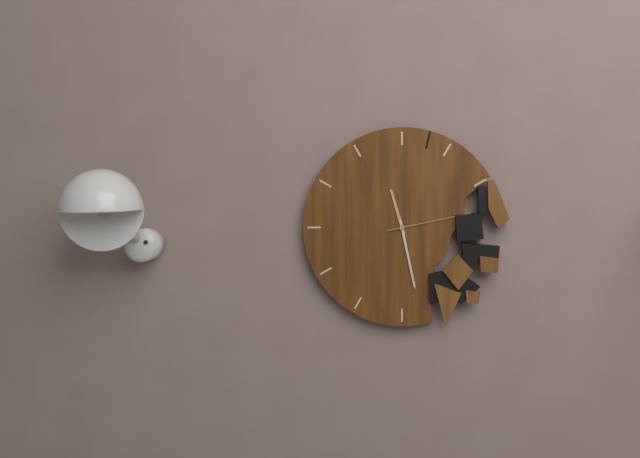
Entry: h=11 m=28 s=13
